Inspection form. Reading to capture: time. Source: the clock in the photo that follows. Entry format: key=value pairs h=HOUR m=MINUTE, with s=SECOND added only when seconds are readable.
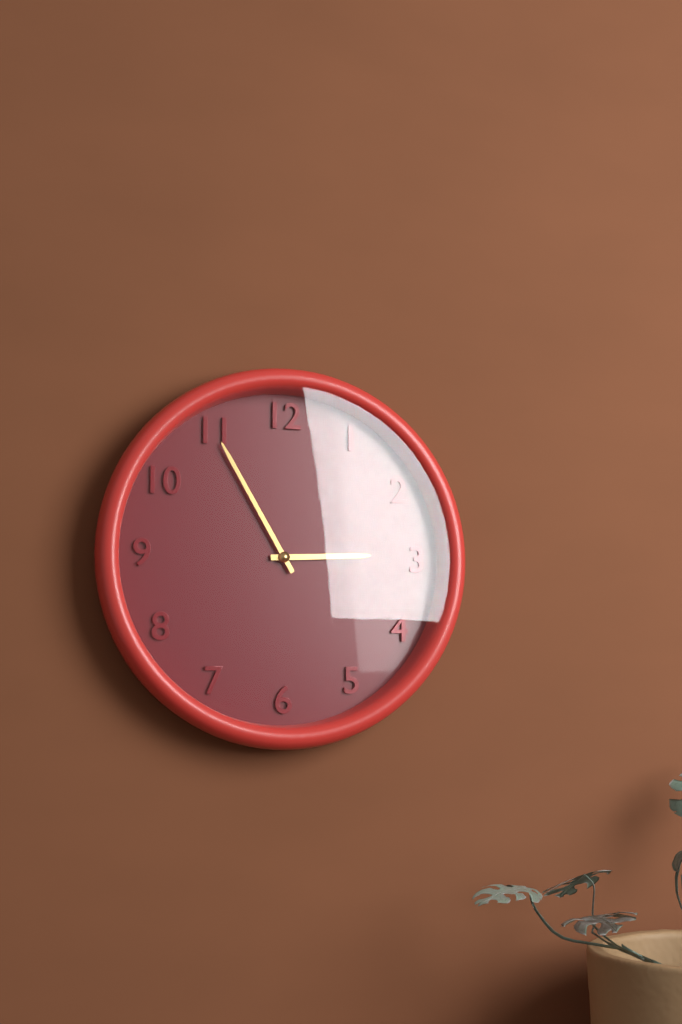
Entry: h=2 m=55
